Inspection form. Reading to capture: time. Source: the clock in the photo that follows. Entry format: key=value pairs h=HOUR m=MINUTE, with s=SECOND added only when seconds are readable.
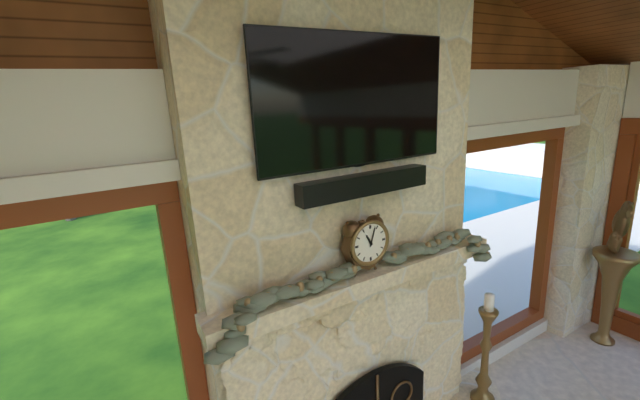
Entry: h=11 m=3
